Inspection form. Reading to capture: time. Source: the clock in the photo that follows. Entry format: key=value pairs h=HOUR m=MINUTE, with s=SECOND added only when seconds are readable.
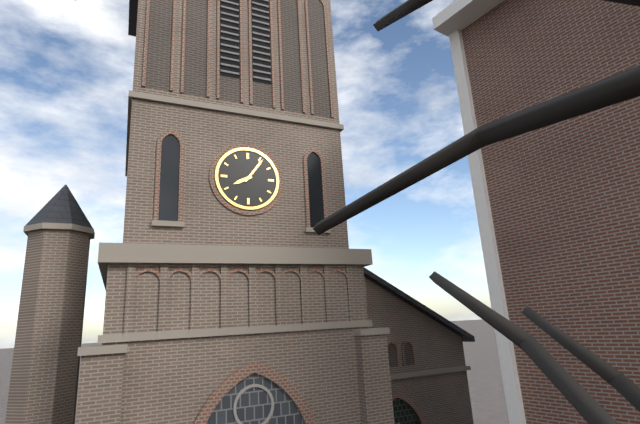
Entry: h=8 m=6
